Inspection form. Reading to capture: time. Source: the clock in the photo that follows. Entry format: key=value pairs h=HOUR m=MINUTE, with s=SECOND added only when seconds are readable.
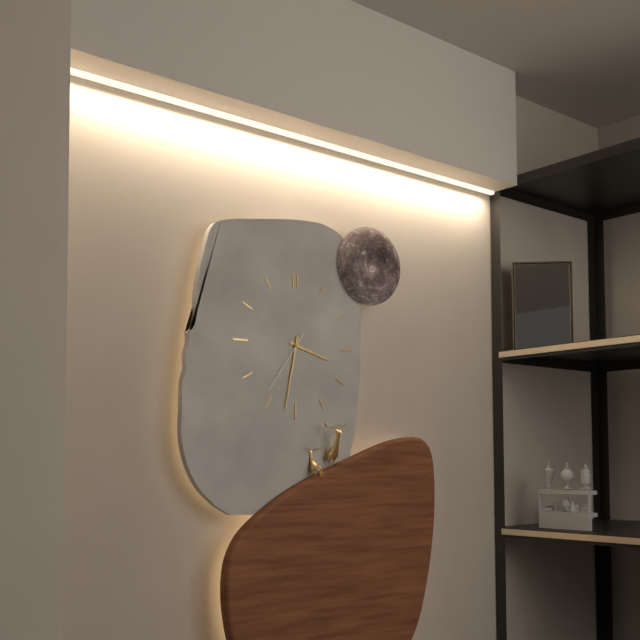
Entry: h=3 m=32 s=36
